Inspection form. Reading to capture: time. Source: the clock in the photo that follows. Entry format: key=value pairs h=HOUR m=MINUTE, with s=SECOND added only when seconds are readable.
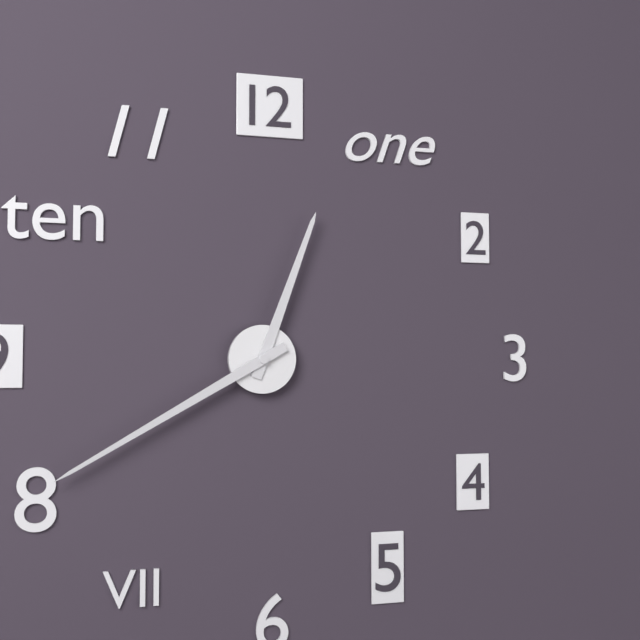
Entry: h=12 m=40
